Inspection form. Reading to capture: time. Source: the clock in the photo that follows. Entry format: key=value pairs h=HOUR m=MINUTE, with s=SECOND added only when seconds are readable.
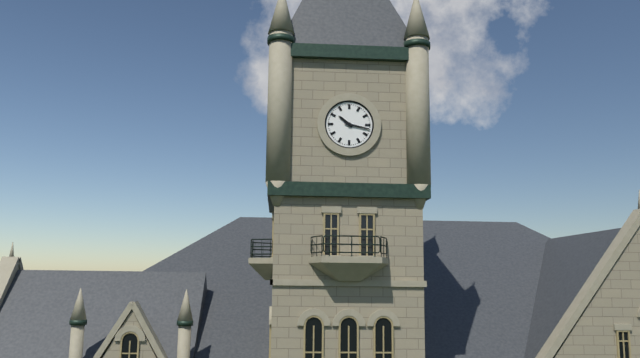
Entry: h=10 m=17
